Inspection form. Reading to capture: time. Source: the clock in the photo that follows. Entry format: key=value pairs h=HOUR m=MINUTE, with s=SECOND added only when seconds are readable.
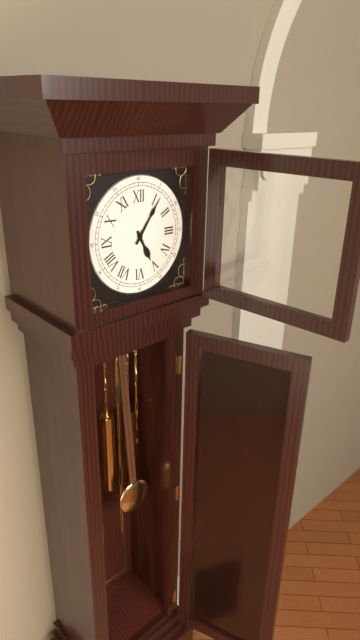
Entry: h=5 m=6
